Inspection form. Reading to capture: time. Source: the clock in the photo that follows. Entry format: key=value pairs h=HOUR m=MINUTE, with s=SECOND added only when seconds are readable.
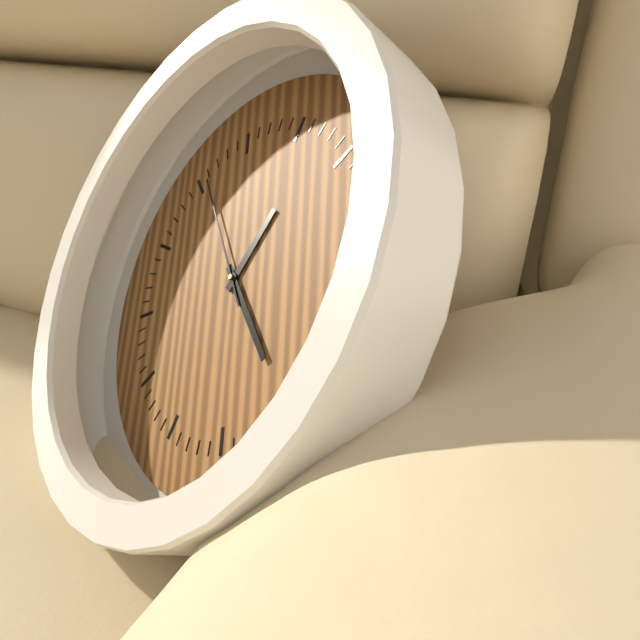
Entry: h=1 m=25 s=56
